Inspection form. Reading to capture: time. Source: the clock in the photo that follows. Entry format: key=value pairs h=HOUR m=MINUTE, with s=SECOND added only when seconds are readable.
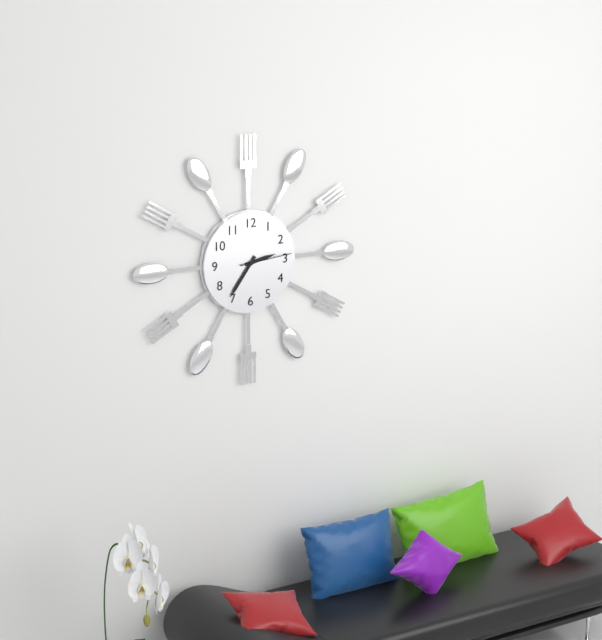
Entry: h=2 m=36 s=14
